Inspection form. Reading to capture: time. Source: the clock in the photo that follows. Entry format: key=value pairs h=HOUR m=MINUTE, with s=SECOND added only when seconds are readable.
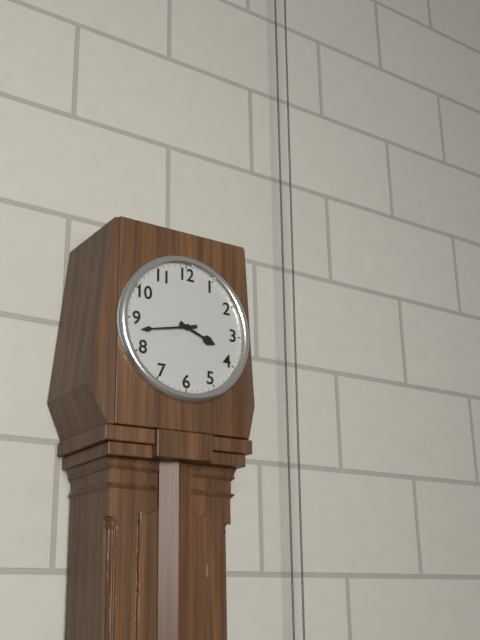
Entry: h=3 m=43
